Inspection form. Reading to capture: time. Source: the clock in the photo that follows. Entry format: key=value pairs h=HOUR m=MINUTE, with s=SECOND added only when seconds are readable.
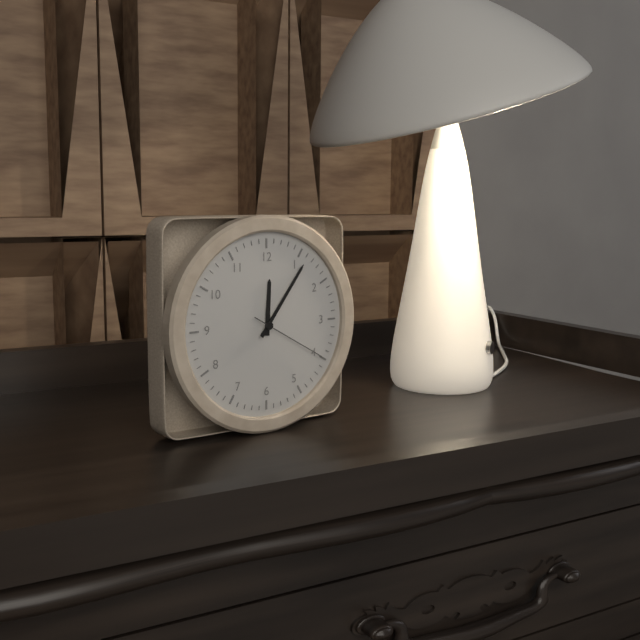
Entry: h=12 m=6 s=20
